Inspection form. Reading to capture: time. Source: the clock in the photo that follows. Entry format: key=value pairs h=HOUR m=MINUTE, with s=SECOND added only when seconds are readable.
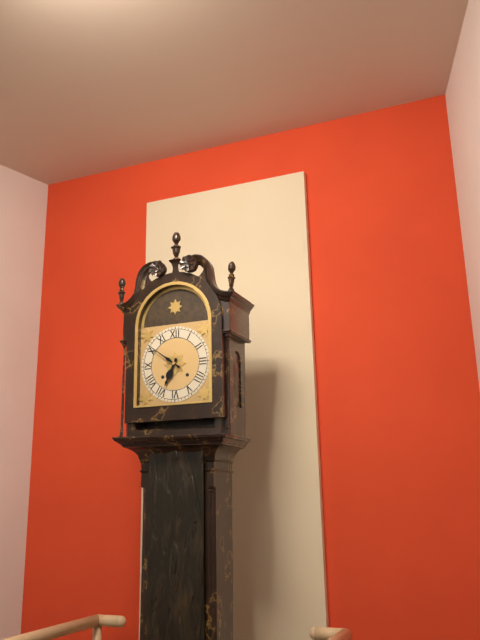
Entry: h=6 m=51
